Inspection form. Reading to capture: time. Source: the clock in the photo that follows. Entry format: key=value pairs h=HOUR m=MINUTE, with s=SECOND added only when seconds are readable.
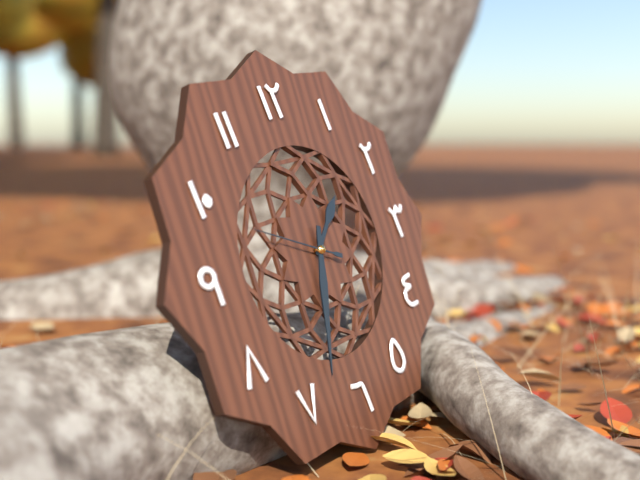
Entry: h=1 m=33 s=49
